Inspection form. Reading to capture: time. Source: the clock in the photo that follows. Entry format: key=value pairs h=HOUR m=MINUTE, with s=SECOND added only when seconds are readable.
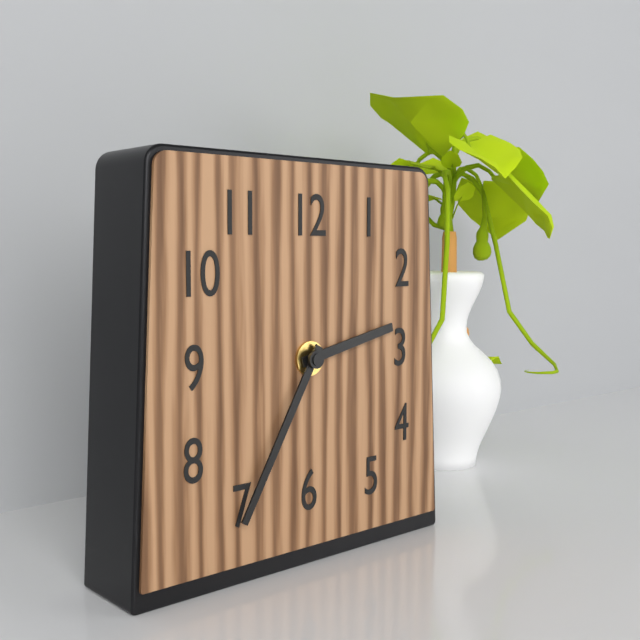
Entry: h=2 m=35
